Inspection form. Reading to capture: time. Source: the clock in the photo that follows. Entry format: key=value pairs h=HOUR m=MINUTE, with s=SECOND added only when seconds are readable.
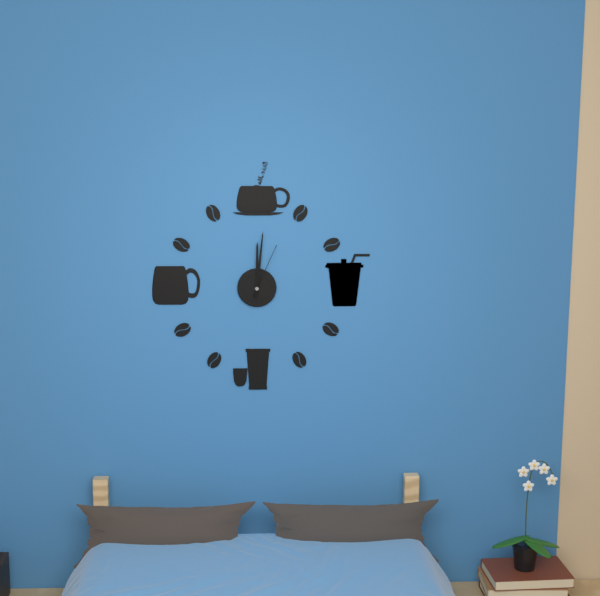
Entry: h=12 m=1 s=4
